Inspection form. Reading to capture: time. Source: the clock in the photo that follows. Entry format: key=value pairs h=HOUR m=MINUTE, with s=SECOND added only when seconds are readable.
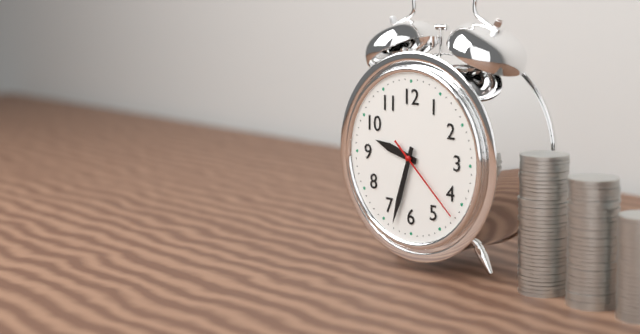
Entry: h=9 m=33 s=22
